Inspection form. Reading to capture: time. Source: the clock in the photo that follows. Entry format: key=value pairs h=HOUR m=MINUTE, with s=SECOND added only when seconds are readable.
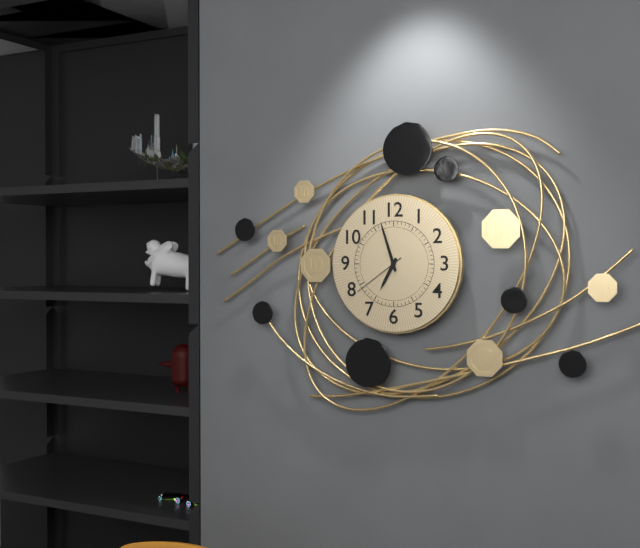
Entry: h=6 m=57 s=39
